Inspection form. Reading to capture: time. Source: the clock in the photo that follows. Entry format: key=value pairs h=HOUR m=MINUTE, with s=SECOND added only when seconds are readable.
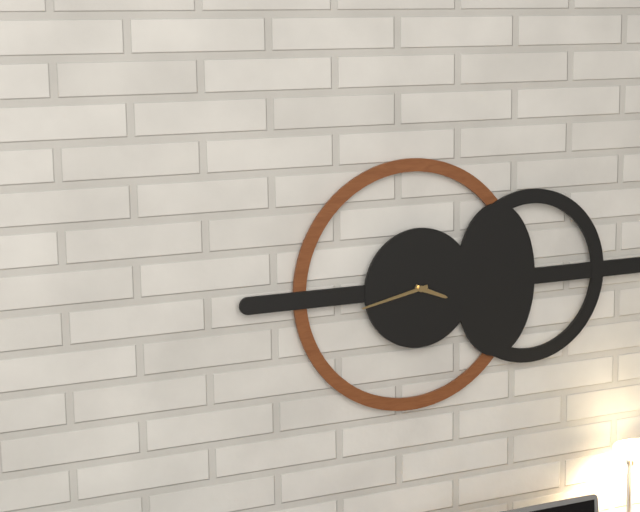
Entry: h=3 m=43
